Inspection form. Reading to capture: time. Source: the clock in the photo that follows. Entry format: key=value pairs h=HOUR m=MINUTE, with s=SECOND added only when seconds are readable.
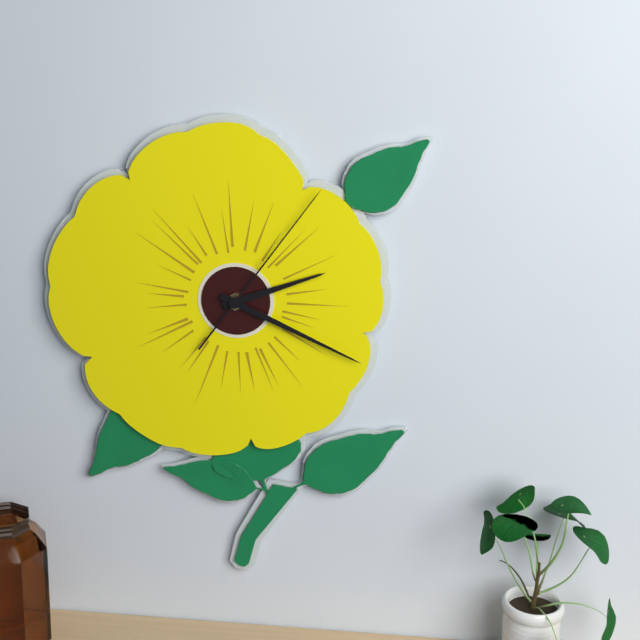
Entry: h=2 m=19 s=6
